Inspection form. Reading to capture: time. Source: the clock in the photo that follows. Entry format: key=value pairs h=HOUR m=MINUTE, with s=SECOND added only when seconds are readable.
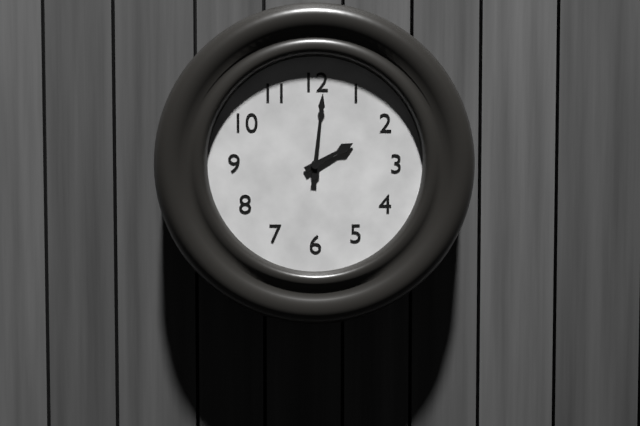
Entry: h=2 m=1
